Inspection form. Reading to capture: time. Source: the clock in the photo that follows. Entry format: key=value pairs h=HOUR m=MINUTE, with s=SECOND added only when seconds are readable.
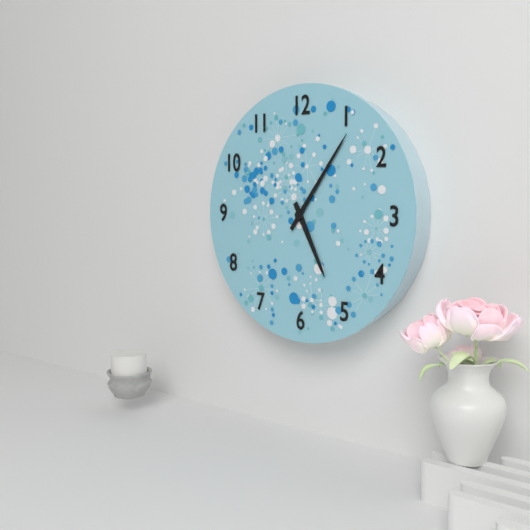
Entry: h=5 m=6
